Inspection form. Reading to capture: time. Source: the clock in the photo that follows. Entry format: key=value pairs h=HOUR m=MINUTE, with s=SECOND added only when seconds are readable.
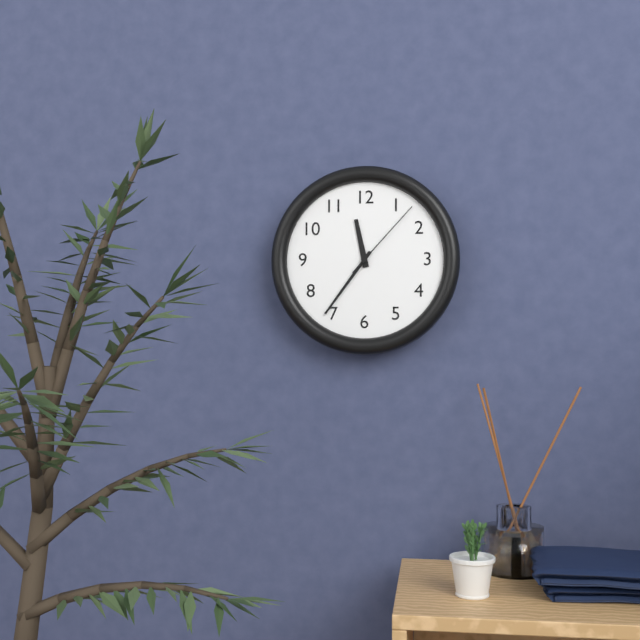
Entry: h=11 m=36 s=7
